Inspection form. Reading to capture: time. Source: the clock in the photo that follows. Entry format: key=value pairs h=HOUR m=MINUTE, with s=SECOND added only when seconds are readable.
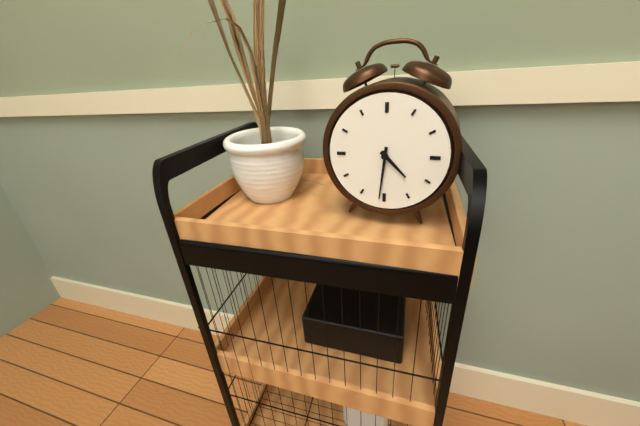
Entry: h=4 m=31
